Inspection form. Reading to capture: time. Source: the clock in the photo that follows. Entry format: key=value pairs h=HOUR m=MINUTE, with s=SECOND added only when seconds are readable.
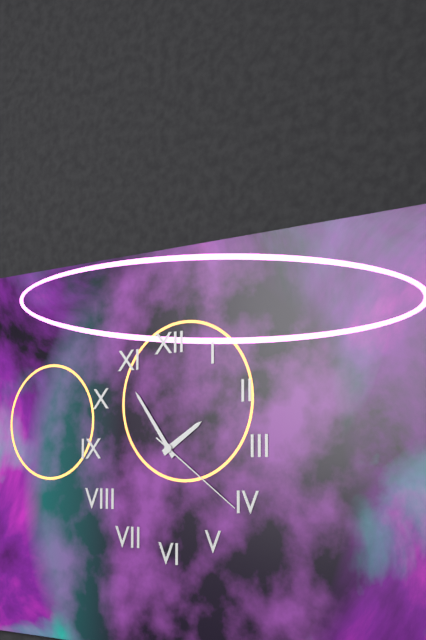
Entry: h=1 m=54 s=21
